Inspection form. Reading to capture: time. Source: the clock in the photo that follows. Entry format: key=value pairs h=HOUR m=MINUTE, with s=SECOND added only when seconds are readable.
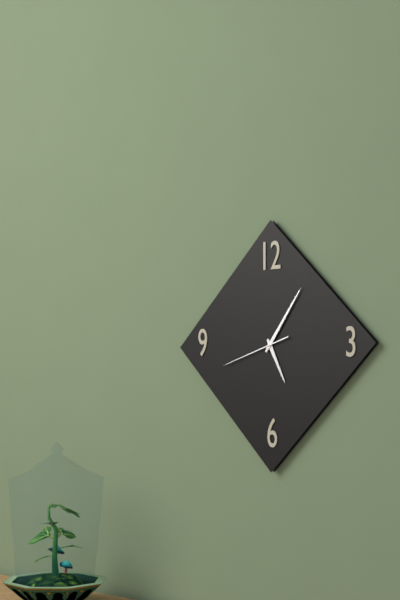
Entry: h=5 m=6 s=42
